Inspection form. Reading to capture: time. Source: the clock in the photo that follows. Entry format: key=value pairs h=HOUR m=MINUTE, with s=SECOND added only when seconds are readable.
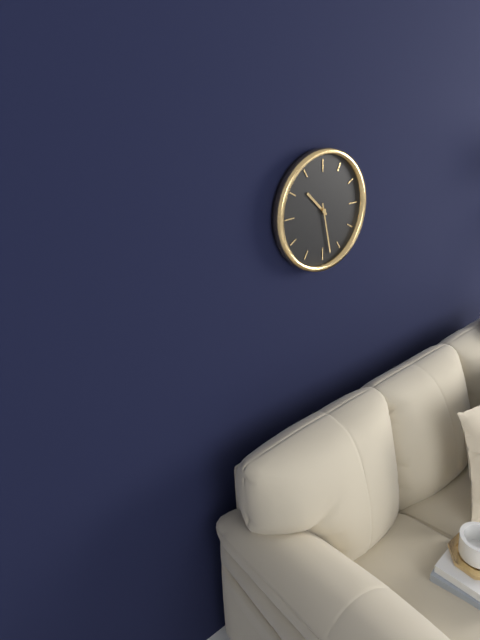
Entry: h=10 m=28
